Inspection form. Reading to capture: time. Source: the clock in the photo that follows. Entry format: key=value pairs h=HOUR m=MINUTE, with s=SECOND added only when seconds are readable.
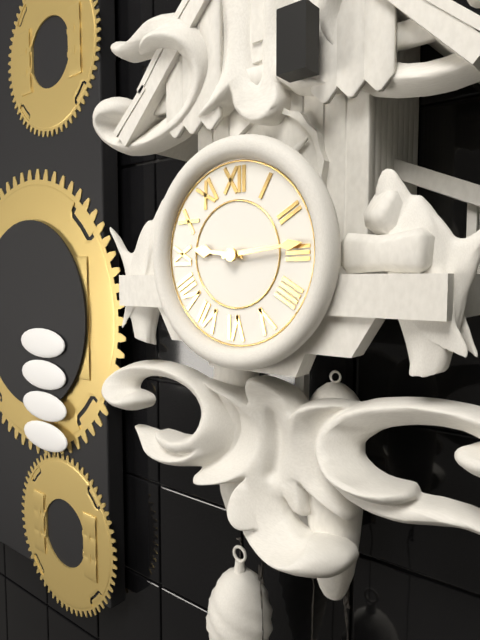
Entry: h=9 m=14
